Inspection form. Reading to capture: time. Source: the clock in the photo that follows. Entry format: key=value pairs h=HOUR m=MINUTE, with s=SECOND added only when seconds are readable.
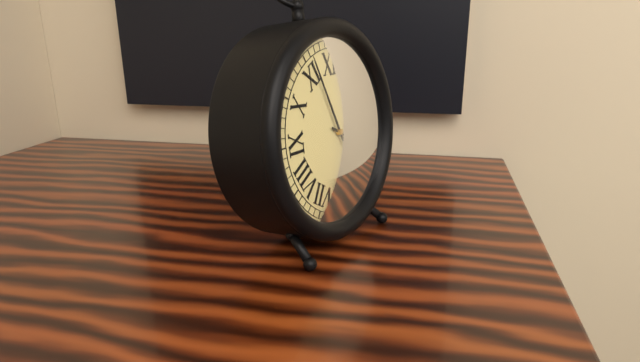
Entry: h=3 m=56
